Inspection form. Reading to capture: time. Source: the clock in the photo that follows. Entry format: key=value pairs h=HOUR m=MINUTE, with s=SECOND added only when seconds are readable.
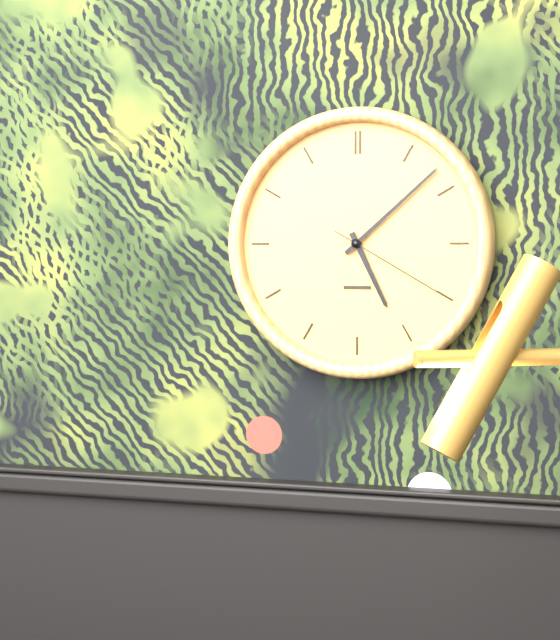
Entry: h=5 m=8 s=20
